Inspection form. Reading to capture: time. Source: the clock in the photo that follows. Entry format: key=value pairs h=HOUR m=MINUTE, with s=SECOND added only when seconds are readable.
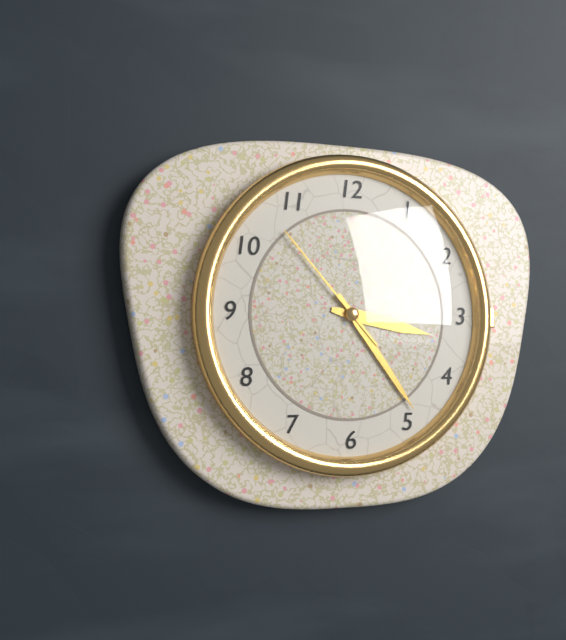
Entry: h=3 m=24 s=53
